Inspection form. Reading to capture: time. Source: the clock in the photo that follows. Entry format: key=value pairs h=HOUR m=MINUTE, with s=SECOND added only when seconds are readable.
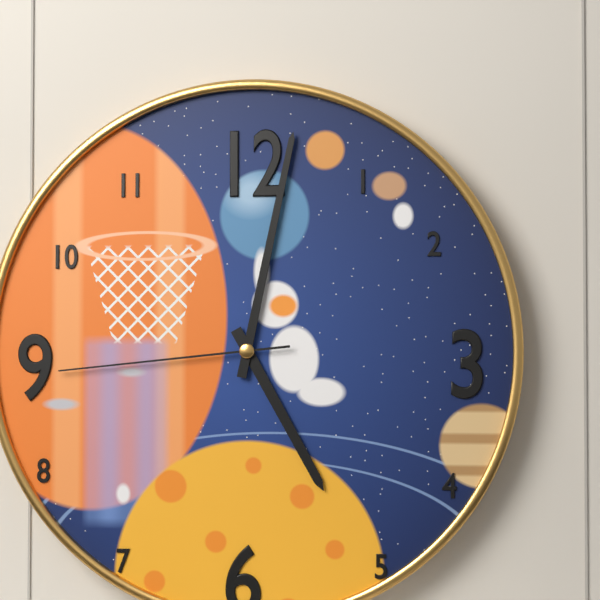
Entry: h=5 m=2 s=44
